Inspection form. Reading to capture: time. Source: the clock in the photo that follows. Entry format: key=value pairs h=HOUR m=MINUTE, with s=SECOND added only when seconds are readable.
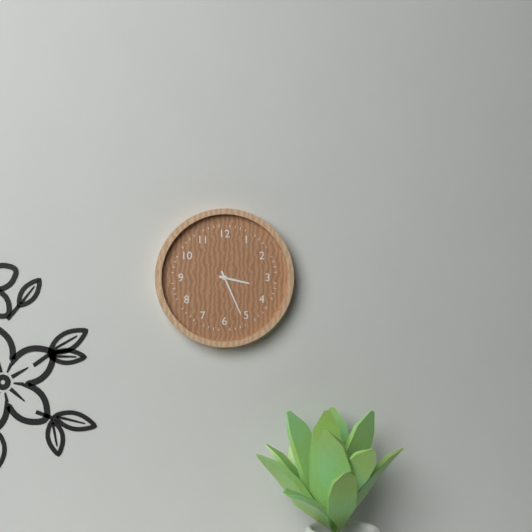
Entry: h=3 m=26
